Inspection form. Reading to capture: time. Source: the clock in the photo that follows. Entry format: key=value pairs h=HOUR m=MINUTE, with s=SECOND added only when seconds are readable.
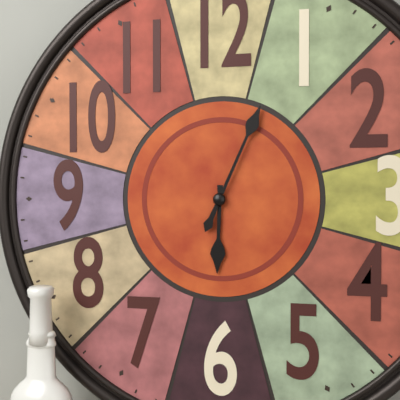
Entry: h=6 m=4
